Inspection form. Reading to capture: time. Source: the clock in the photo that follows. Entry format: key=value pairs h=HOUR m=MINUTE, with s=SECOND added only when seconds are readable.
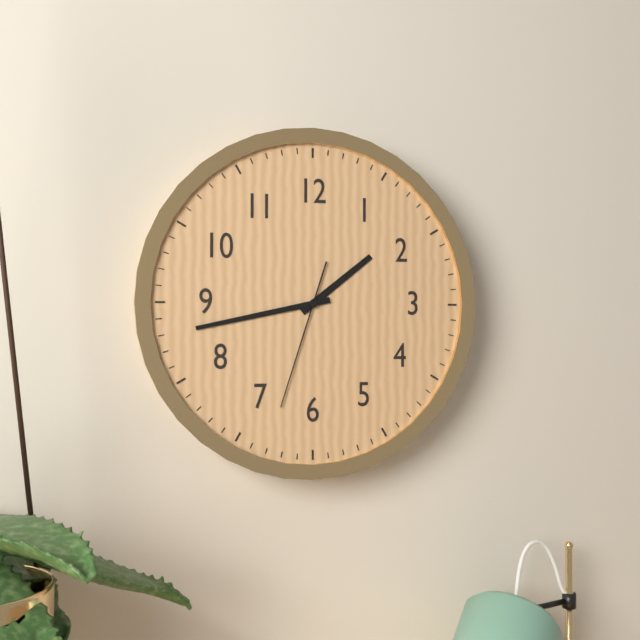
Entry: h=1 m=43 s=33
